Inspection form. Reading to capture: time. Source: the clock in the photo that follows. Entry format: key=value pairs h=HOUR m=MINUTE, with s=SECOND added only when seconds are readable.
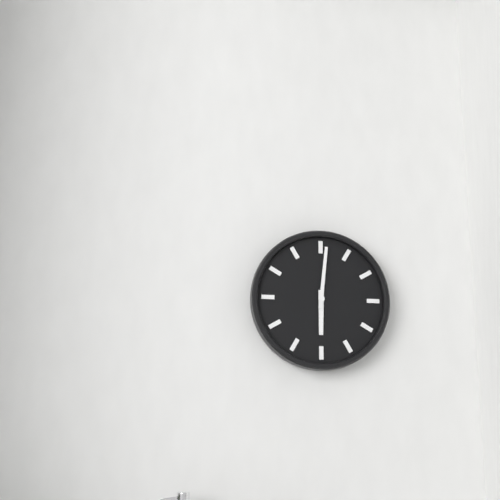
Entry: h=6 m=1
